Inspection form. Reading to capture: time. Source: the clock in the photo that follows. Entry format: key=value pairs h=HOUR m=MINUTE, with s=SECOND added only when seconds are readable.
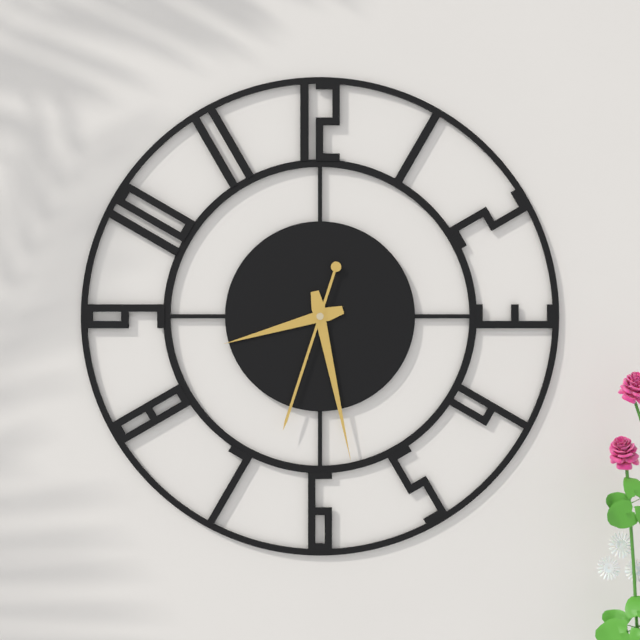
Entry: h=8 m=28 s=33
